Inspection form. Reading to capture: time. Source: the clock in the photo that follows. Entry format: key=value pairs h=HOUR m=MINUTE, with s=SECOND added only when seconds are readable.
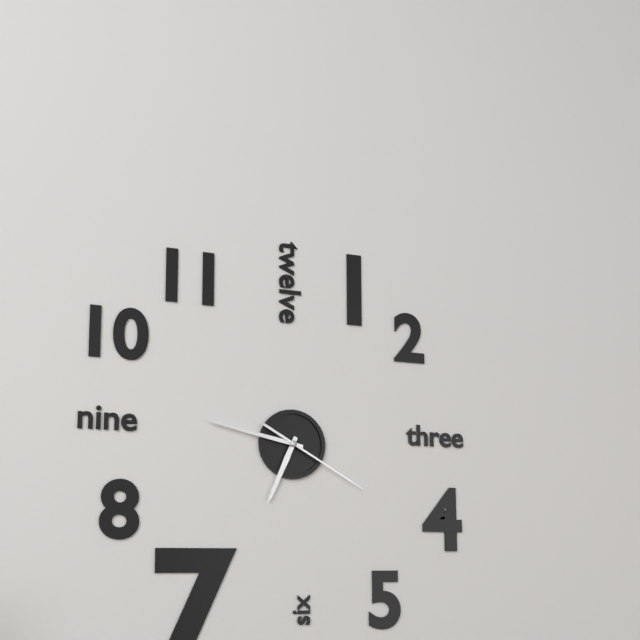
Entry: h=6 m=47 s=20
